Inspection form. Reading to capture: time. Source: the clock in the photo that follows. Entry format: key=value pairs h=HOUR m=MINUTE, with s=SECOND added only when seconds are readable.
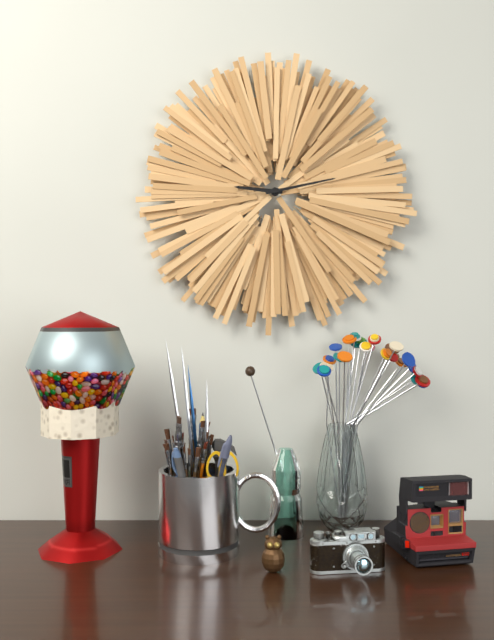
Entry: h=9 m=13
